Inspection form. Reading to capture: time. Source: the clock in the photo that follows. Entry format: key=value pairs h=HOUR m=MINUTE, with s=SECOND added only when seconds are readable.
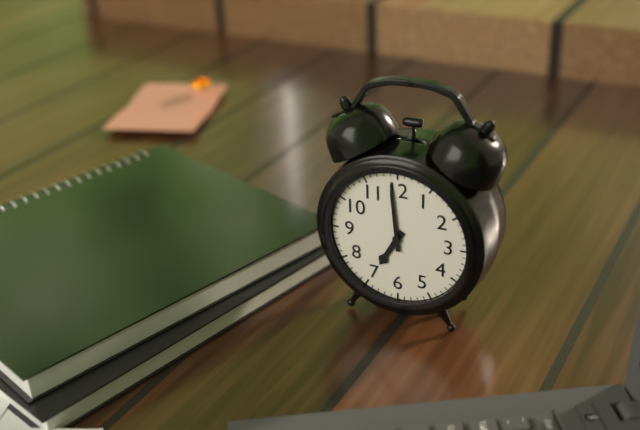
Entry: h=6 m=59
